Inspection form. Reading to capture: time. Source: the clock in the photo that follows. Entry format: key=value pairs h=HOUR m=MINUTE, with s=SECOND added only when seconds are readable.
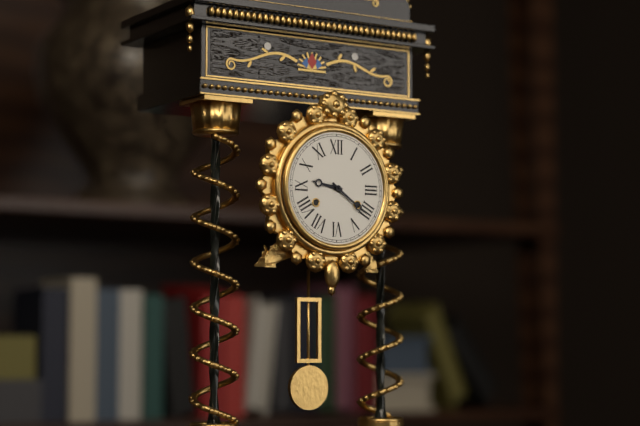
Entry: h=9 m=21
